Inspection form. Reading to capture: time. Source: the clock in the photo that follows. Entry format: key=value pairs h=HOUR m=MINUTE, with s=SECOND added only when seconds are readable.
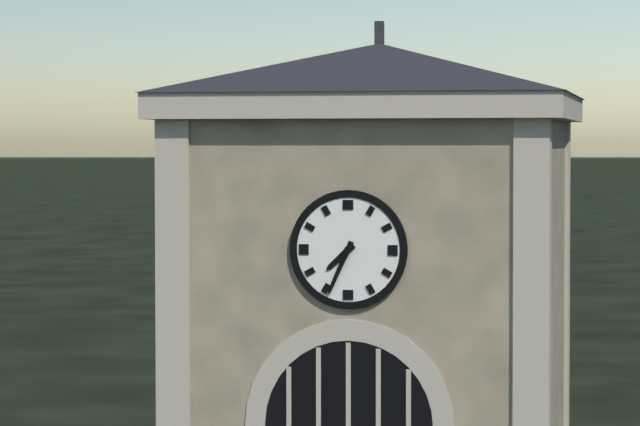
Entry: h=7 m=34
